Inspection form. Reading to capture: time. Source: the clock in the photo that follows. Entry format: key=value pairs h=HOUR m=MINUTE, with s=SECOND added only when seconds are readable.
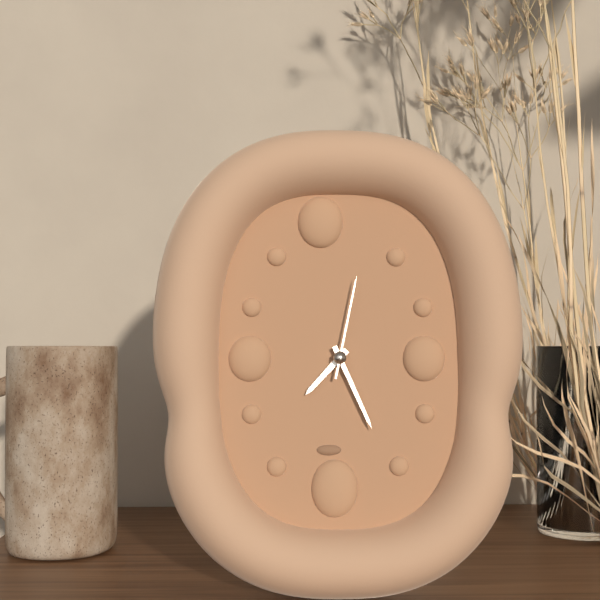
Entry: h=7 m=26 s=2
